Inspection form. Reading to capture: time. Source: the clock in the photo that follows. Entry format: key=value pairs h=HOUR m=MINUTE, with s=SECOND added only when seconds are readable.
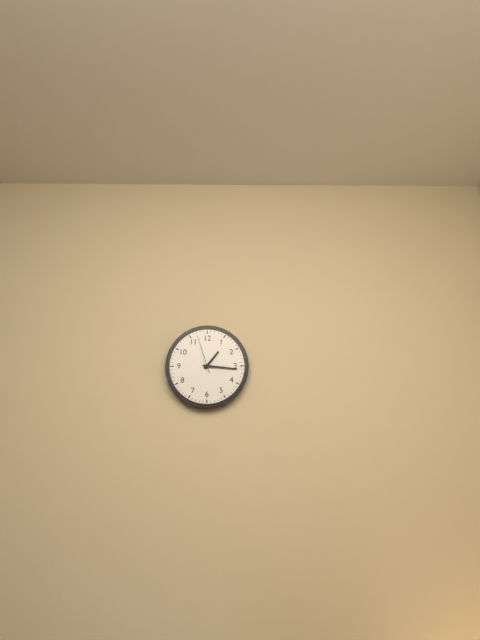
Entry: h=1 m=16
